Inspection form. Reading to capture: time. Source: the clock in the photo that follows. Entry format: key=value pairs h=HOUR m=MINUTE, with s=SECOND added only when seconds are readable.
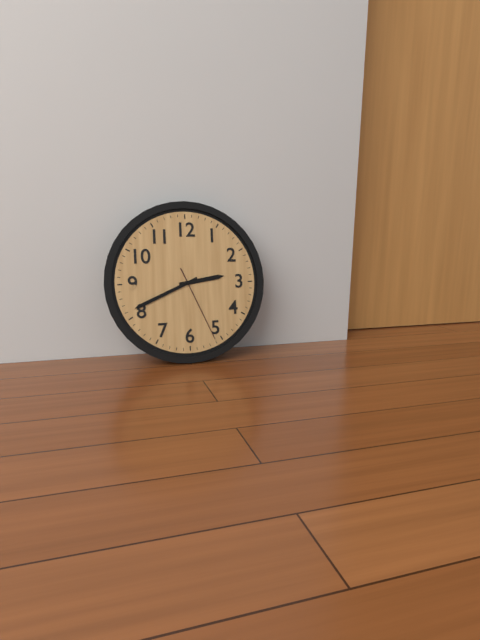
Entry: h=2 m=41 s=26
